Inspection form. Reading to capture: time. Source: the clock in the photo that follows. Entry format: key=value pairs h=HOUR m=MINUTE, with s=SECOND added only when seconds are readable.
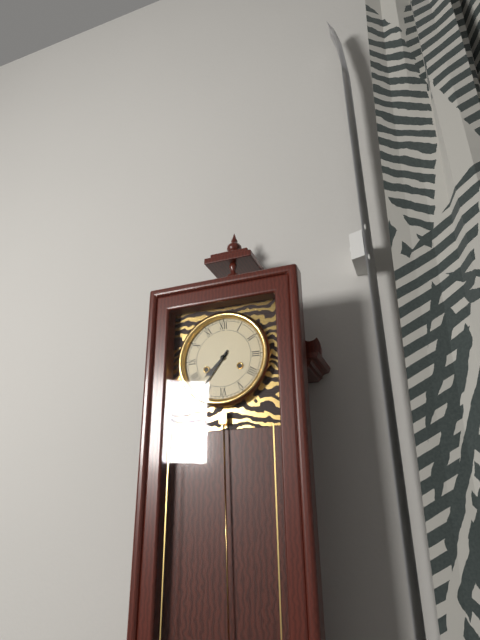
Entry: h=7 m=36
